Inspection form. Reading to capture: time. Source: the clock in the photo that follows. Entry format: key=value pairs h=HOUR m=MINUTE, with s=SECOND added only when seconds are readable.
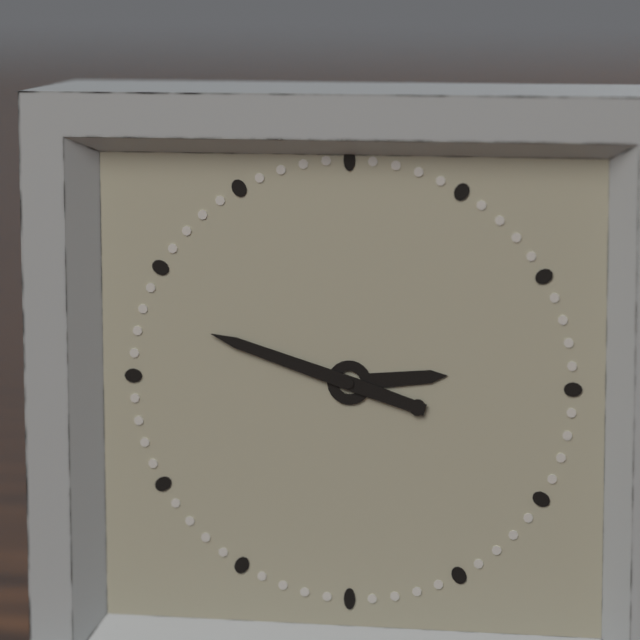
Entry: h=2 m=48
